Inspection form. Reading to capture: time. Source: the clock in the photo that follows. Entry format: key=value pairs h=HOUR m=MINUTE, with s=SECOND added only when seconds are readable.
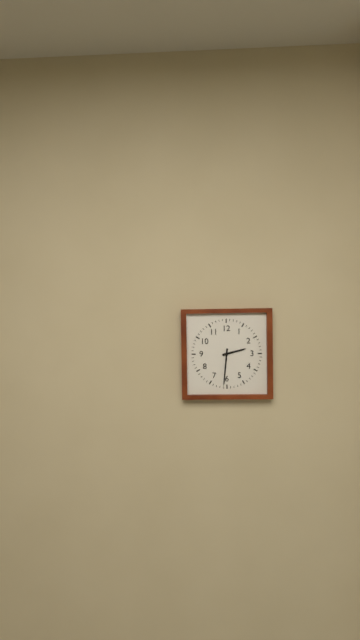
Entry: h=2 m=31
